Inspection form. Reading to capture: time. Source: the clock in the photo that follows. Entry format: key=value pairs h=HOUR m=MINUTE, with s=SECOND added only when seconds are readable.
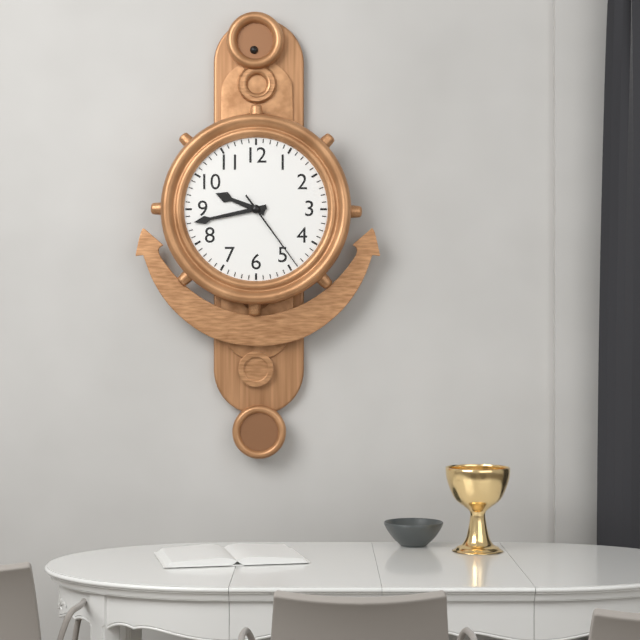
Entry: h=9 m=43 s=24
